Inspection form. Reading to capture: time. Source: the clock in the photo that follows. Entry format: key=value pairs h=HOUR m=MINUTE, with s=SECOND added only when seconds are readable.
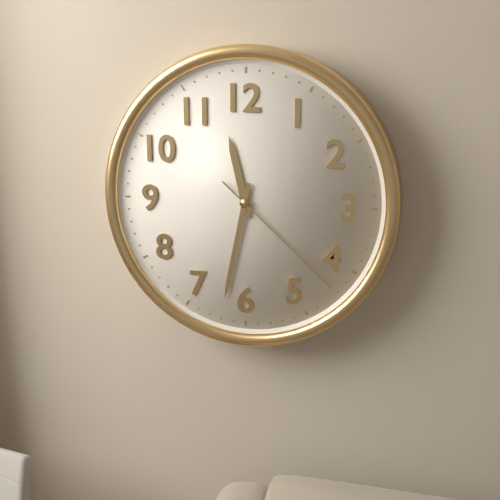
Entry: h=11 m=32 s=22
